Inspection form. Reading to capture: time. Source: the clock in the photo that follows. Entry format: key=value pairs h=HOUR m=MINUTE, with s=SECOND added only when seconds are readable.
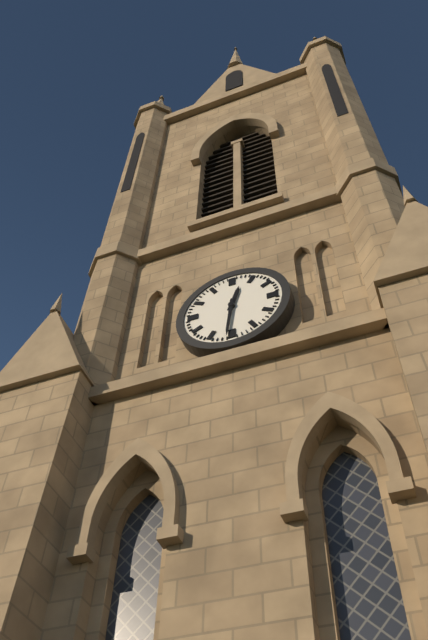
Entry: h=12 m=31
